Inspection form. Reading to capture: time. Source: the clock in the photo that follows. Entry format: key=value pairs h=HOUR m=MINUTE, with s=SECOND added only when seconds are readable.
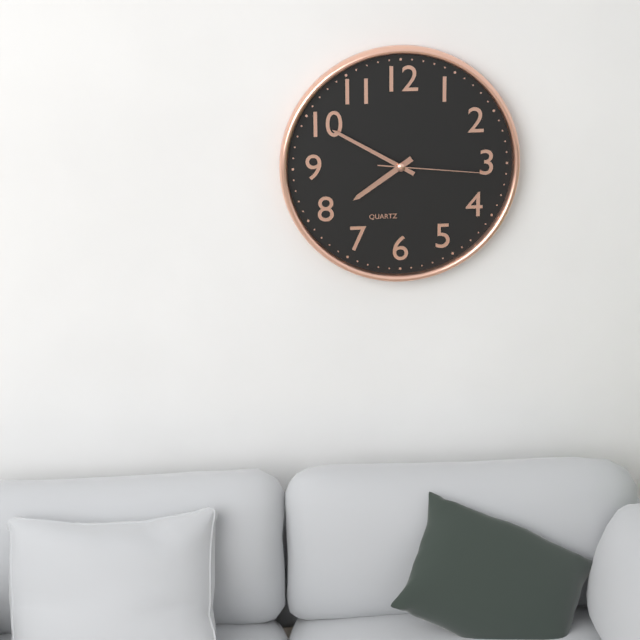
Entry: h=7 m=50 s=16
